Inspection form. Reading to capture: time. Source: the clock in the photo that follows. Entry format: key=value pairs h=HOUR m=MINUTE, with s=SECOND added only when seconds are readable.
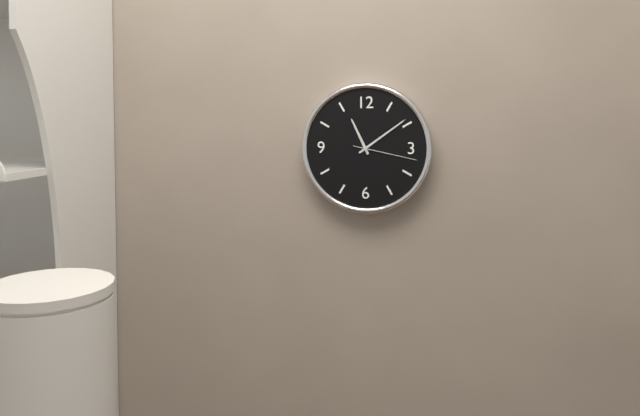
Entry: h=11 m=9 s=17
